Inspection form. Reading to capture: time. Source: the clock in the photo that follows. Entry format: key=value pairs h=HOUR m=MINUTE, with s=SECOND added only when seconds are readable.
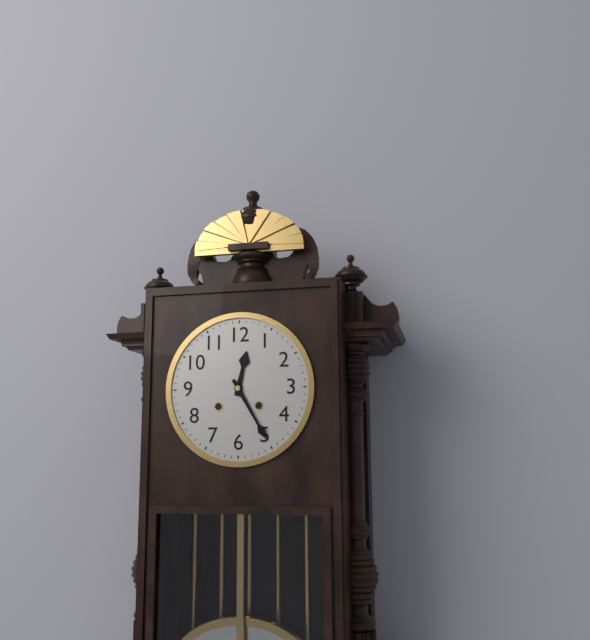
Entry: h=12 m=25
